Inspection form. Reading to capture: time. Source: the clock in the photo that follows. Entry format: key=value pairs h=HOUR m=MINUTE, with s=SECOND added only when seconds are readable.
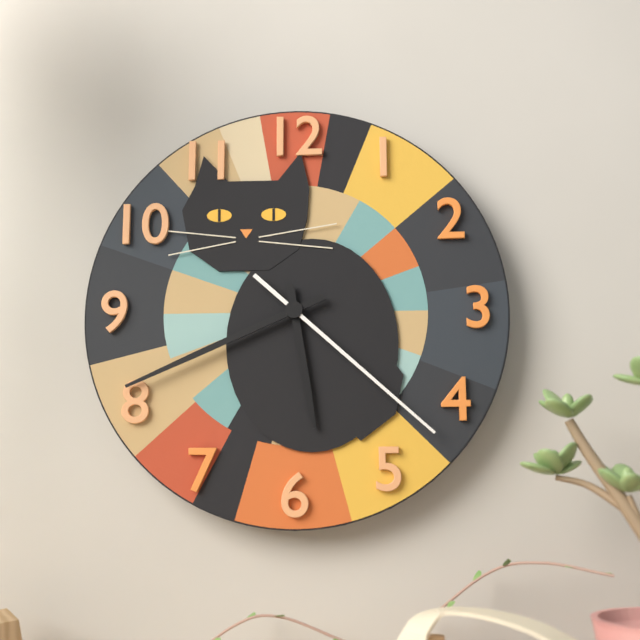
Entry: h=5 m=41 s=22
